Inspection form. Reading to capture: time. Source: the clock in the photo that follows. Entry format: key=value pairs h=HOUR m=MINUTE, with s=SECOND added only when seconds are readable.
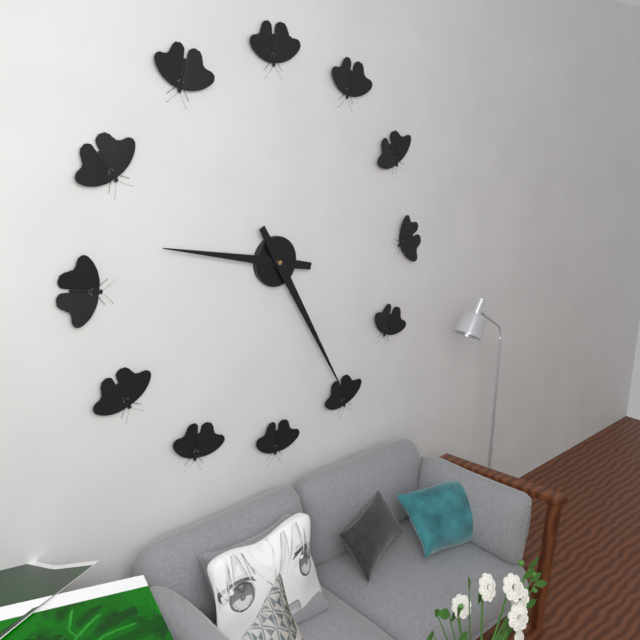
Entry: h=9 m=25
